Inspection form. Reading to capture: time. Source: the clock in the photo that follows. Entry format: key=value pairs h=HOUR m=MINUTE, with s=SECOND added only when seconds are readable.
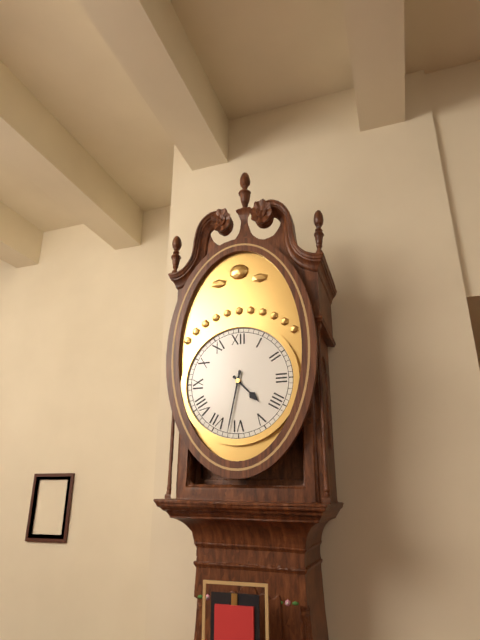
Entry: h=4 m=32
